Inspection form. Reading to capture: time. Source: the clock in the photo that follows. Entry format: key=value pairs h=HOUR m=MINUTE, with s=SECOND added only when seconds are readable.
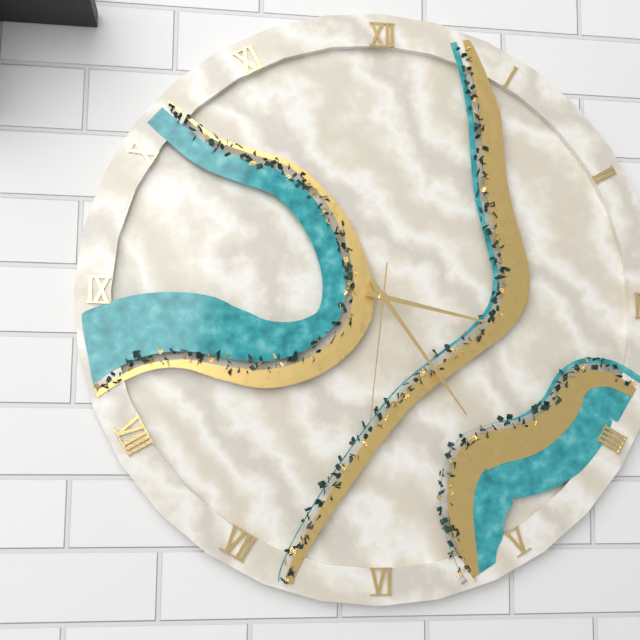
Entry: h=3 m=24 s=31
